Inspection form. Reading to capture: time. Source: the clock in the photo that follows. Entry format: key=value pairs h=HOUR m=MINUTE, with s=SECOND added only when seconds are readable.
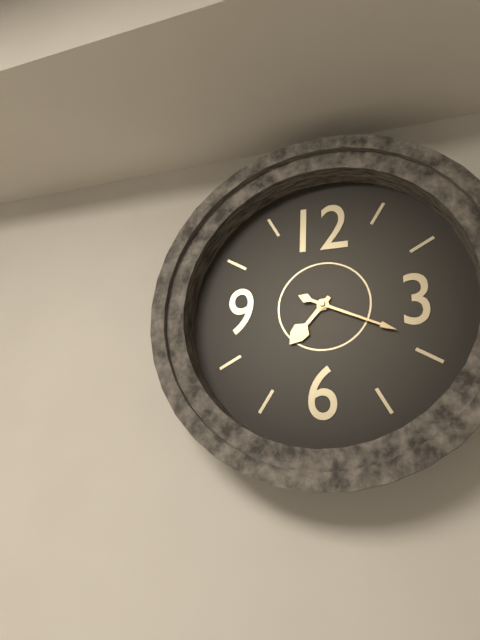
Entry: h=7 m=19
